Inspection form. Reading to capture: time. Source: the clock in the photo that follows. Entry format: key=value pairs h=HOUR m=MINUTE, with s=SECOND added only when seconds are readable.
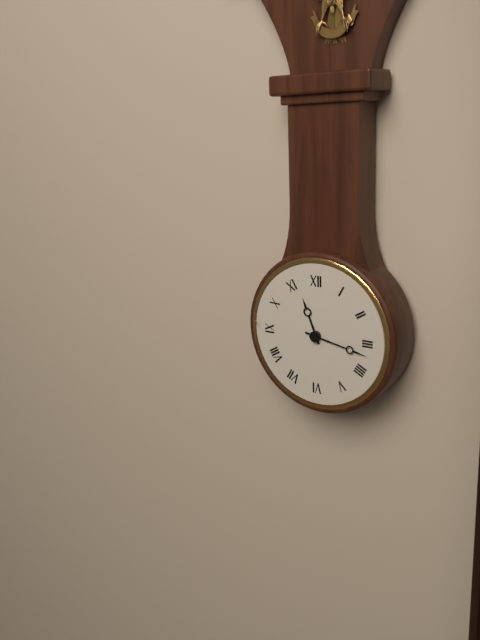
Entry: h=11 m=17
